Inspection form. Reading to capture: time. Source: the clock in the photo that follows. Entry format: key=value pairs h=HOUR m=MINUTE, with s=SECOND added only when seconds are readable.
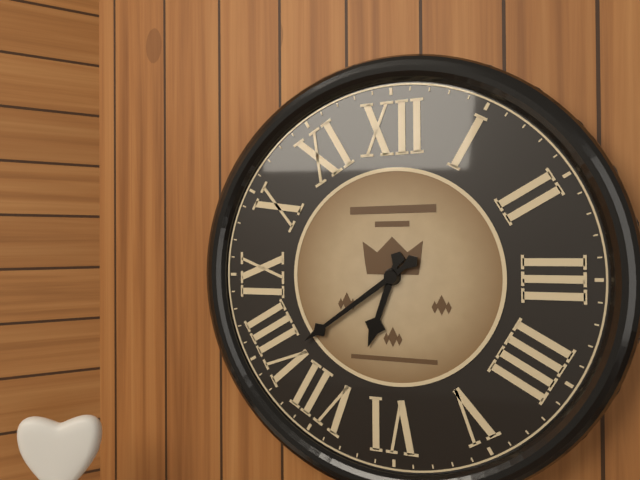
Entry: h=6 m=39
